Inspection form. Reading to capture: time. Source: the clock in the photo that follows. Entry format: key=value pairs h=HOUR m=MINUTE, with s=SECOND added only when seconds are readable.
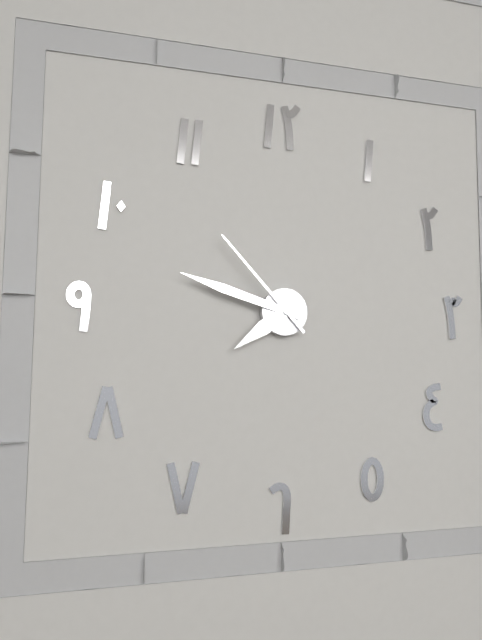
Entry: h=7 m=48 s=53
